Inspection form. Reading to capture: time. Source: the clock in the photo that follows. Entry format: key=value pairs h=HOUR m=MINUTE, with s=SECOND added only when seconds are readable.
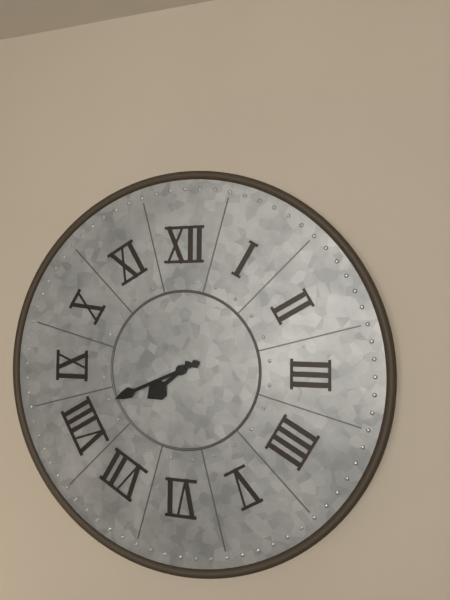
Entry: h=7 m=41
